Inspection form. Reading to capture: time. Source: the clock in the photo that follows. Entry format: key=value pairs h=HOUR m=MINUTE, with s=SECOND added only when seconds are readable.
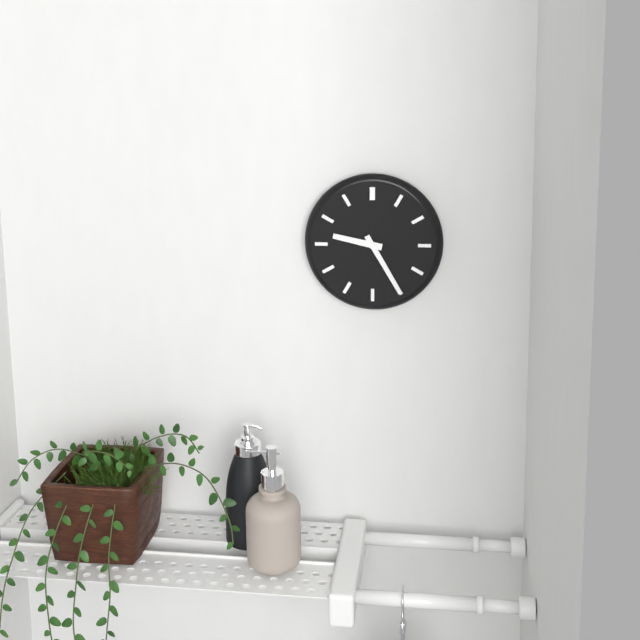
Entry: h=9 m=25
